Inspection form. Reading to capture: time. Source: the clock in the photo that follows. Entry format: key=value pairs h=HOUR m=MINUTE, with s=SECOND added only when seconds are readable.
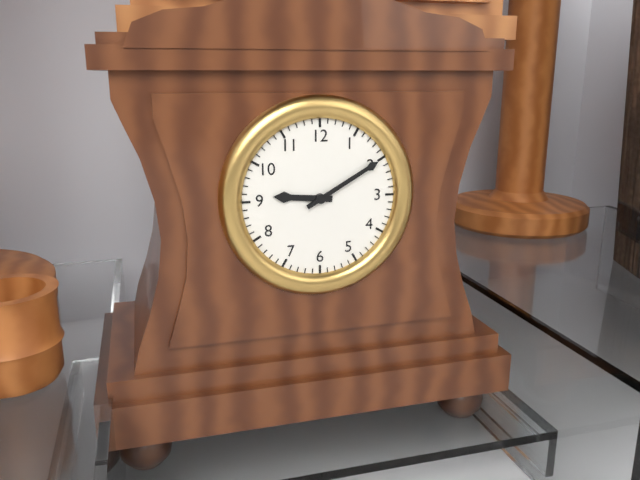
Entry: h=9 m=10
